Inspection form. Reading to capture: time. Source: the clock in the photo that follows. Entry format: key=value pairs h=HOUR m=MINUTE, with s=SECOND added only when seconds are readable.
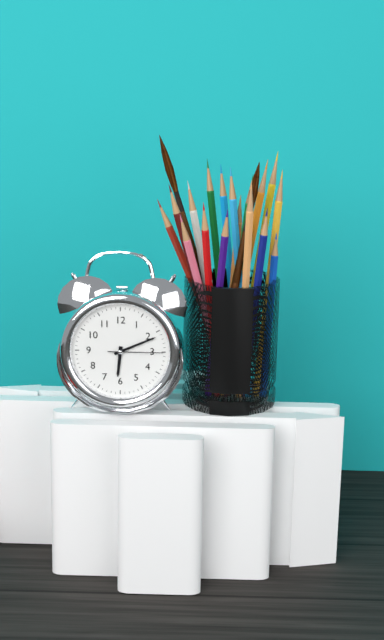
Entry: h=6 m=11 s=15
